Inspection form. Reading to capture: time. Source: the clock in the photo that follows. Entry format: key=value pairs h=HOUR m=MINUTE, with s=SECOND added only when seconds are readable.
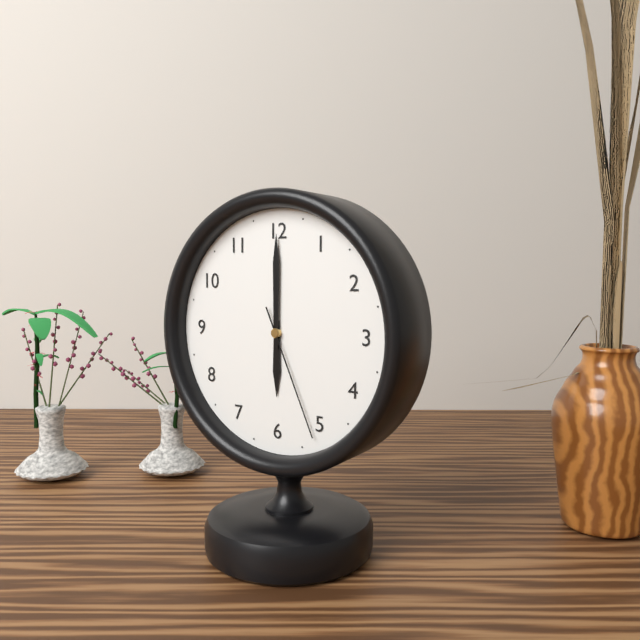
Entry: h=6 m=0 s=26
